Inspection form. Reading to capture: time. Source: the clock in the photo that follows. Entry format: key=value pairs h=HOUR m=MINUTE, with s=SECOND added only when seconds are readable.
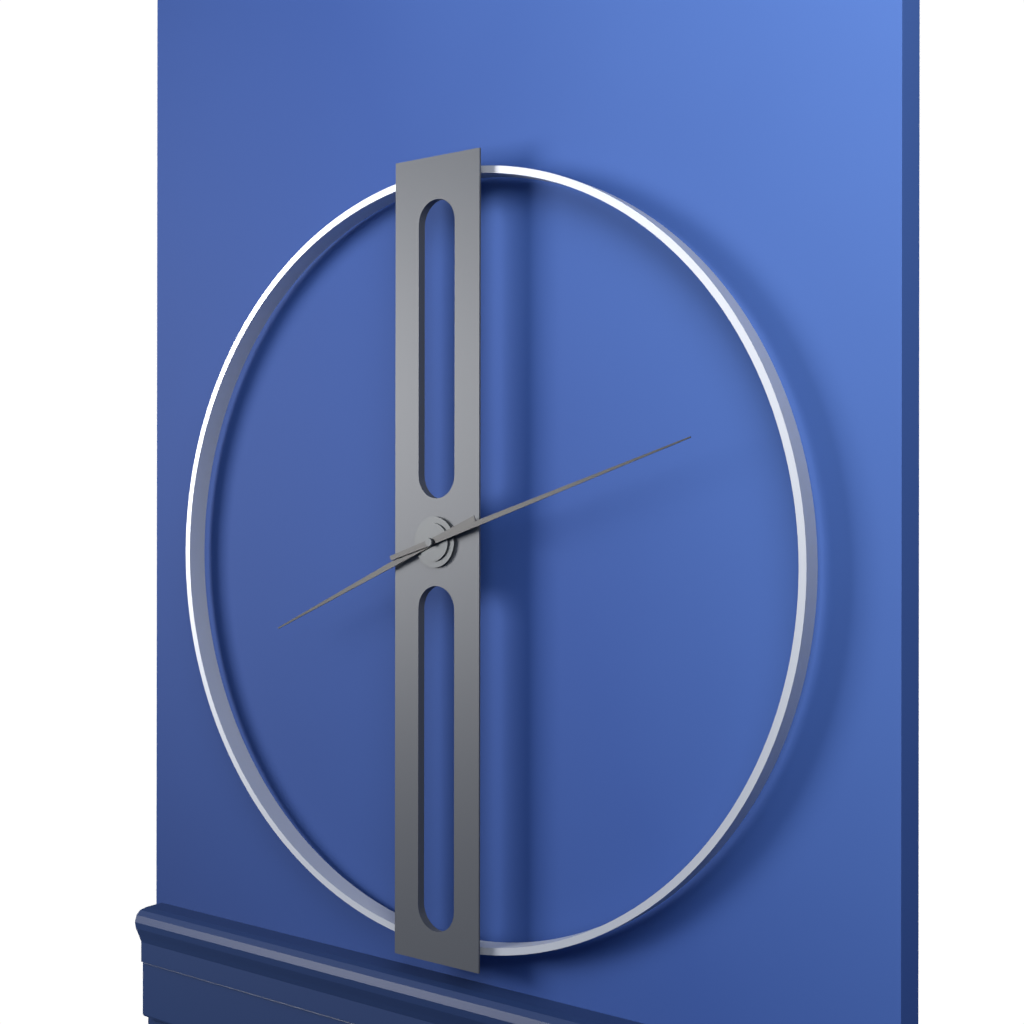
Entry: h=8 m=12
